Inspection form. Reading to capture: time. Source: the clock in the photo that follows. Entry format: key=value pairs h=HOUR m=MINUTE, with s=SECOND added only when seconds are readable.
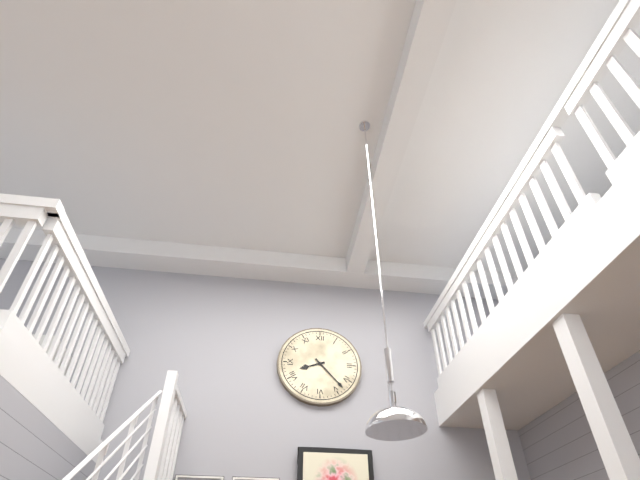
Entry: h=8 m=23
